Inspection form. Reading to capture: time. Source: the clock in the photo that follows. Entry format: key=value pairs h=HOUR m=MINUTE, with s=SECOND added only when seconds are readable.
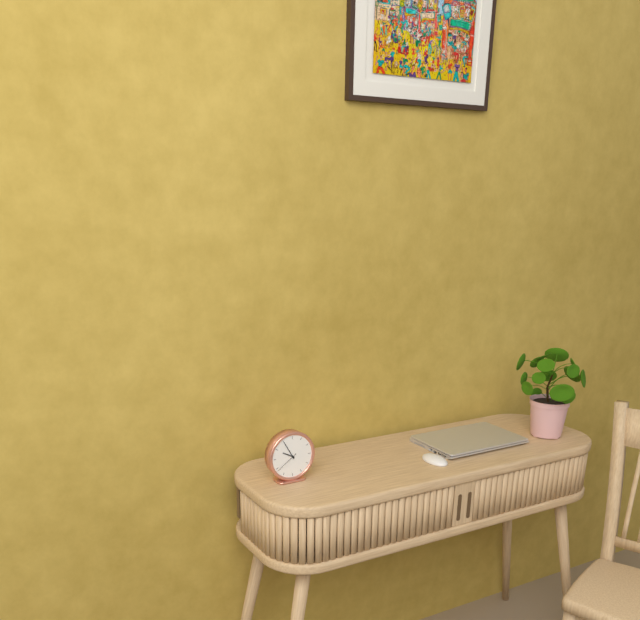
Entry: h=9 m=55
